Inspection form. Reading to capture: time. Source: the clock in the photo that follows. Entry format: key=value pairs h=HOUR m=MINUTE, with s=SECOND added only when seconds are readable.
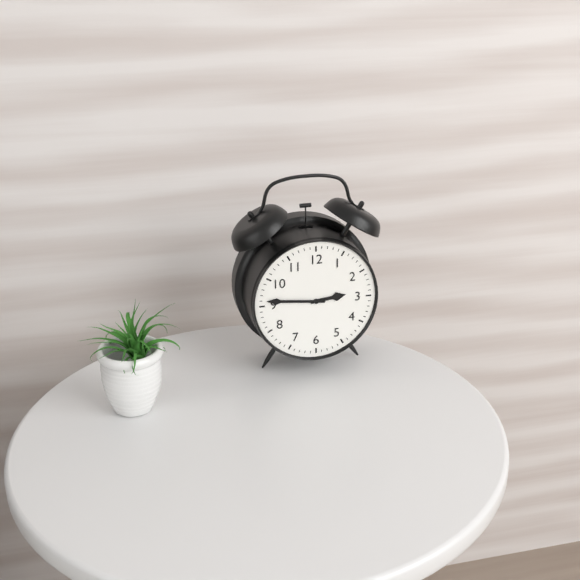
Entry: h=2 m=46
